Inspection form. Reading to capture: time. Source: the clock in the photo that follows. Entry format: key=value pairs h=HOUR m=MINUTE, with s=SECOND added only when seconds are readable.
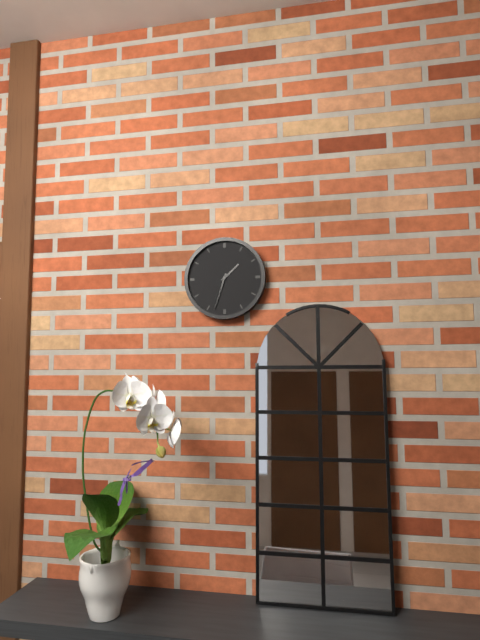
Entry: h=1 m=33
